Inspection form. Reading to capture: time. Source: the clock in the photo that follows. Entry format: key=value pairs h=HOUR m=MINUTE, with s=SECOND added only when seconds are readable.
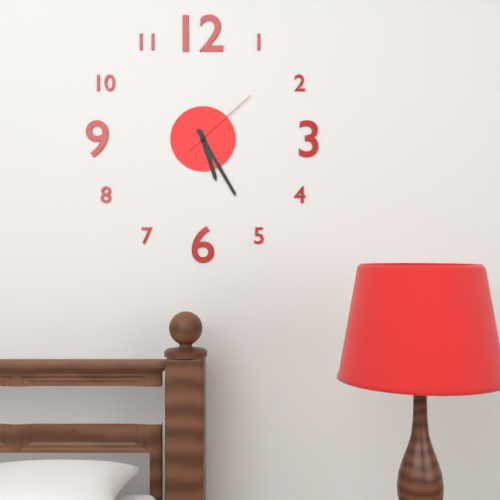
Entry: h=5 m=25 s=8
